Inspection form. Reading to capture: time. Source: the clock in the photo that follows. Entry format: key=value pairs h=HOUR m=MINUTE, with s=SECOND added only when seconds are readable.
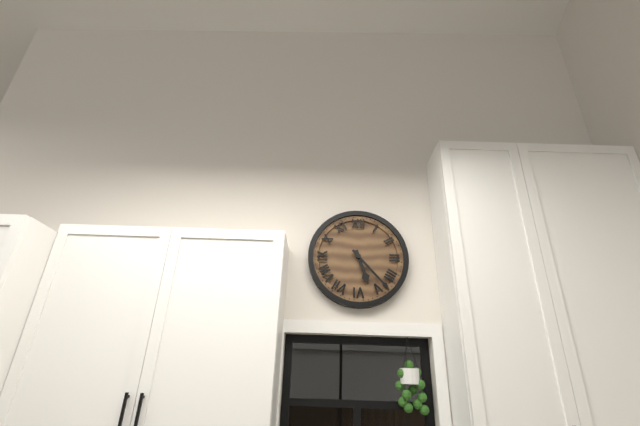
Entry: h=5 m=23
